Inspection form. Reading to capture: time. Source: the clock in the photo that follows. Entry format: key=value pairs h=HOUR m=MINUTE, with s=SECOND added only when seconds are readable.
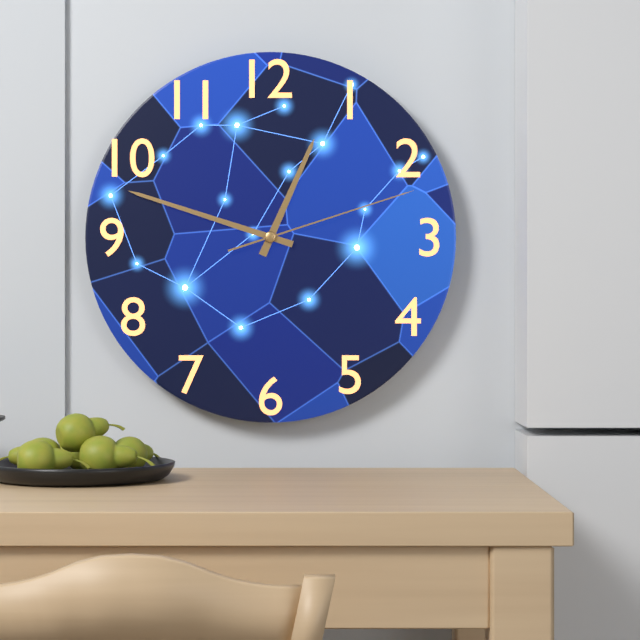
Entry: h=12 m=48 s=12
